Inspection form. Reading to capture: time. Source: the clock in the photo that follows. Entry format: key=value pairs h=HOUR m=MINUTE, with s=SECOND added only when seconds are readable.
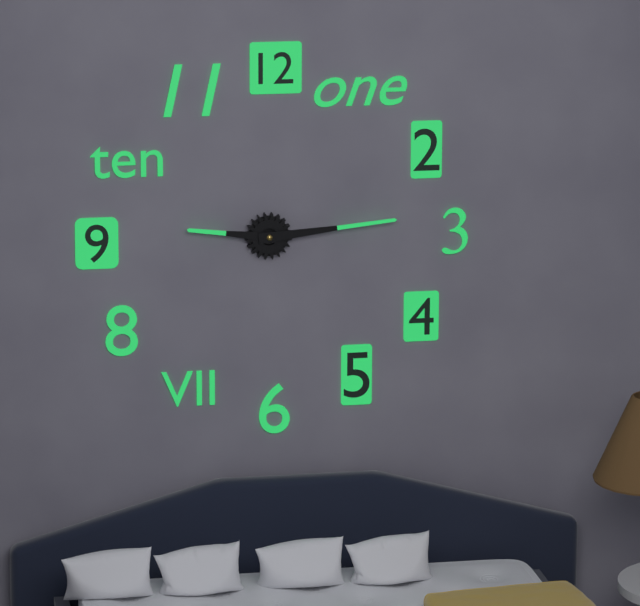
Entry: h=9 m=14
